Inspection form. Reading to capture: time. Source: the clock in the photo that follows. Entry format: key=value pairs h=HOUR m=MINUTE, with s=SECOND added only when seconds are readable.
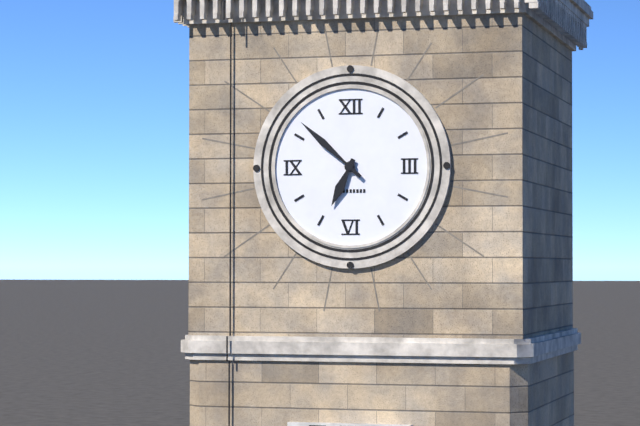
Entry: h=6 m=52
